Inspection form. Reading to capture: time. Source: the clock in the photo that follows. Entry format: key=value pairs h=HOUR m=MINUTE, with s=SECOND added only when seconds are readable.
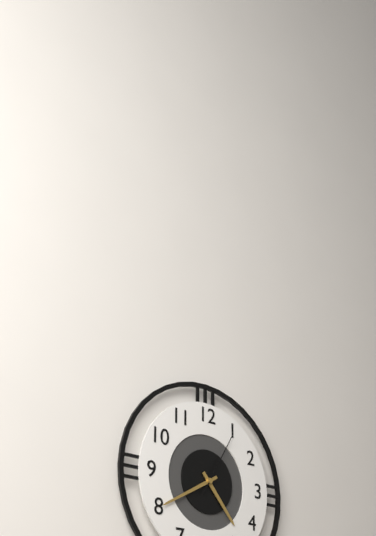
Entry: h=4 m=40 s=5
